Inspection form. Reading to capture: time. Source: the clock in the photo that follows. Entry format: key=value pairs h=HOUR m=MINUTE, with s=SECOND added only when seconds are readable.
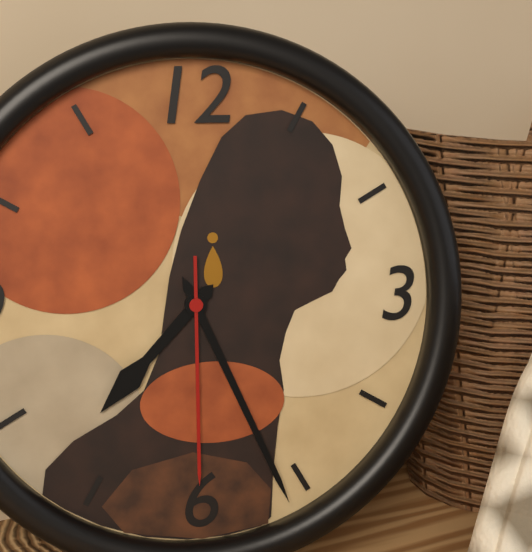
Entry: h=7 m=26 s=30
